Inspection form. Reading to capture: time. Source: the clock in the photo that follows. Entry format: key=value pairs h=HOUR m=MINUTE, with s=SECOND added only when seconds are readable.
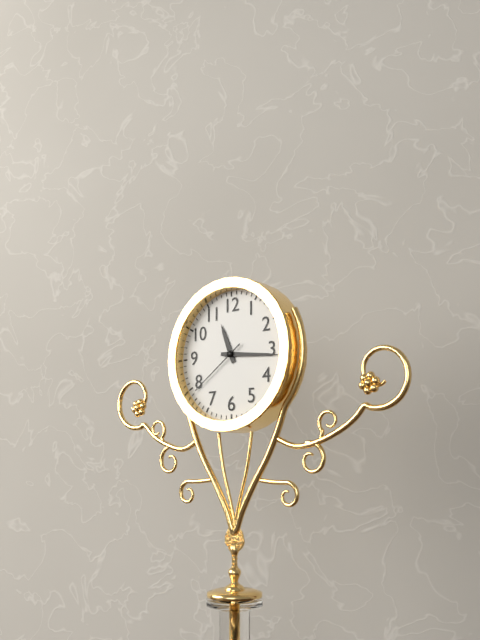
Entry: h=11 m=16 s=39
